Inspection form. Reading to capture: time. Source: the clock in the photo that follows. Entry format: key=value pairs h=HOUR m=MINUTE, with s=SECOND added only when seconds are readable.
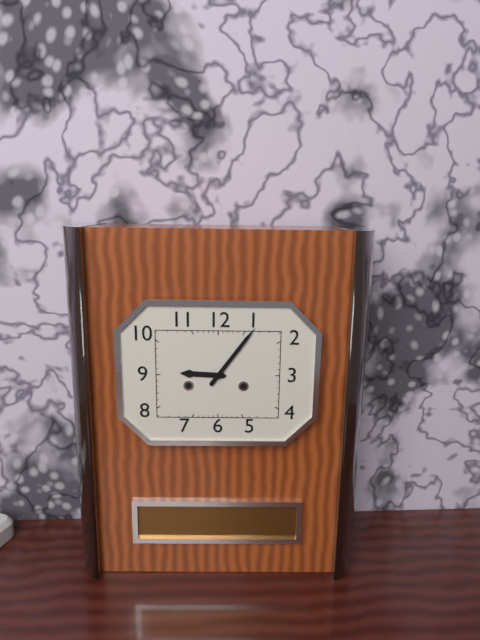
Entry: h=9 m=6
